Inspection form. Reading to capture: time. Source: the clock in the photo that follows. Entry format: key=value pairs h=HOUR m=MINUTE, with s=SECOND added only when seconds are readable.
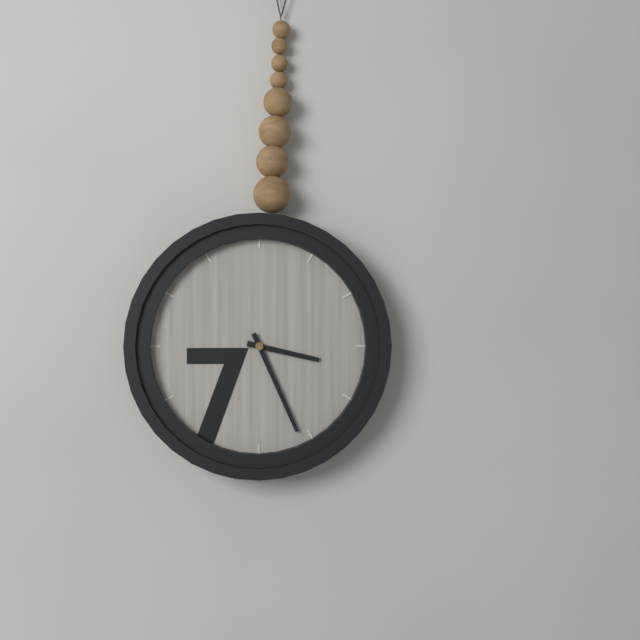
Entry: h=3 m=26
